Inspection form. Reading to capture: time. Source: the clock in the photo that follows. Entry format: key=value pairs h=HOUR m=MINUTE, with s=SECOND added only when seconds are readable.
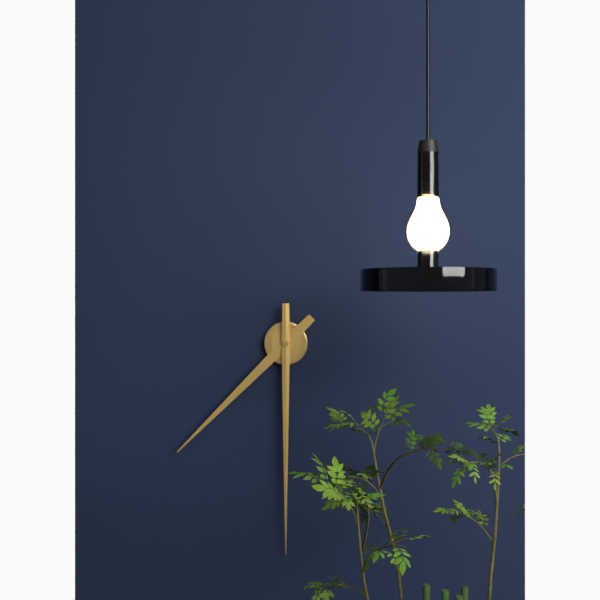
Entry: h=7 m=30
